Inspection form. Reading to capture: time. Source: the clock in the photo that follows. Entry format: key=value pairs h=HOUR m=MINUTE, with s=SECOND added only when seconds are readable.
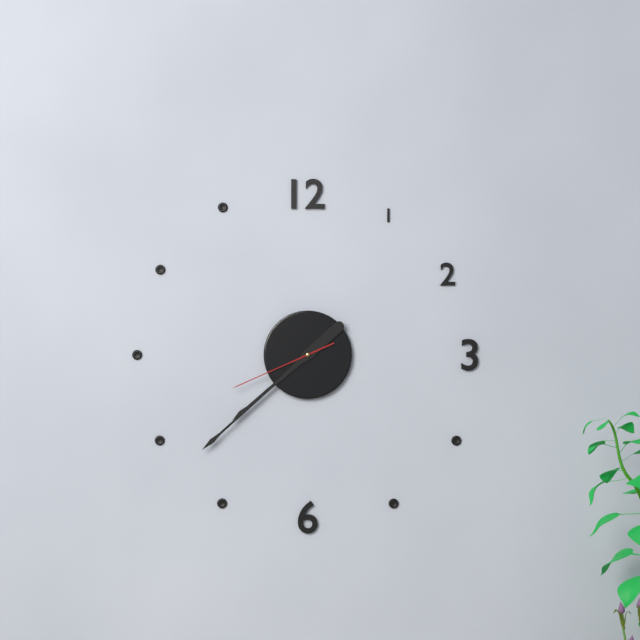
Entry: h=7 m=38 s=41
